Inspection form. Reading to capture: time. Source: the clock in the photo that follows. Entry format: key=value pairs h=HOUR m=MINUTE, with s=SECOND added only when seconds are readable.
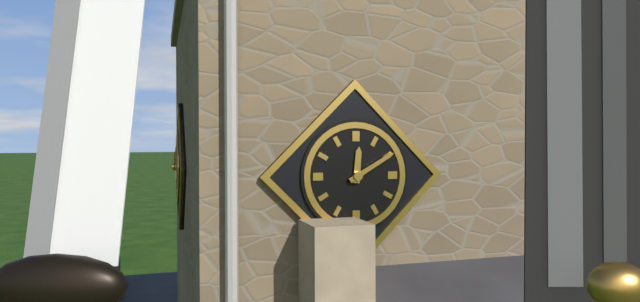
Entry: h=12 m=10
